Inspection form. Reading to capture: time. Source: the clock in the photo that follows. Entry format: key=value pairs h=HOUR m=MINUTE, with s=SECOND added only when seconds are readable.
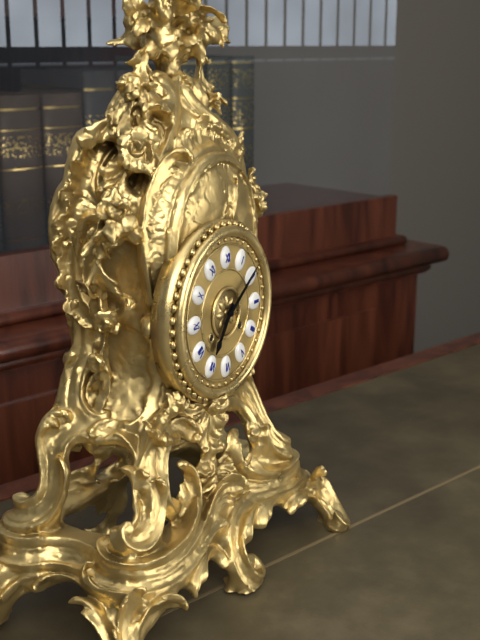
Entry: h=7 m=9
